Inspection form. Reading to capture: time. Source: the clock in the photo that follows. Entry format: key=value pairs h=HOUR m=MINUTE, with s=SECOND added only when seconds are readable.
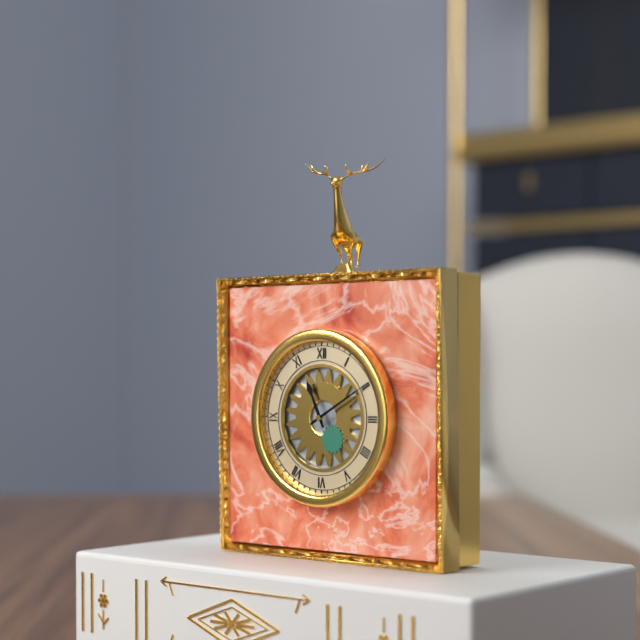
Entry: h=11 m=10
